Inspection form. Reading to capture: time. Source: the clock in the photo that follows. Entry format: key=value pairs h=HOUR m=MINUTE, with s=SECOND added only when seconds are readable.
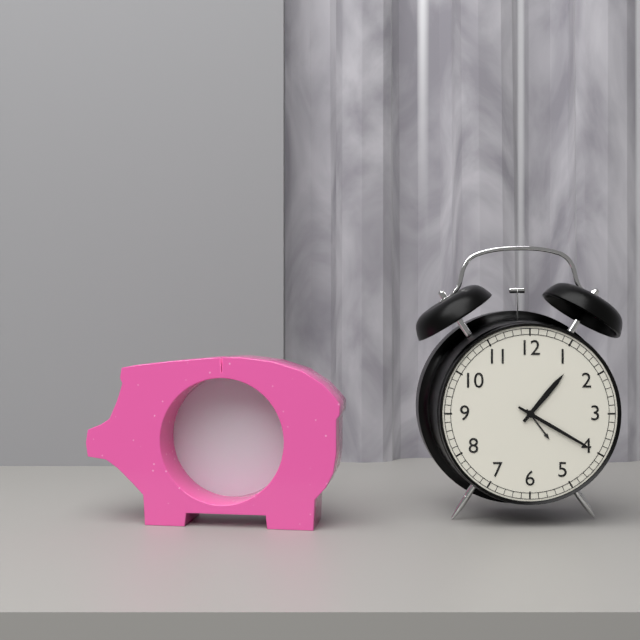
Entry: h=1 m=20
